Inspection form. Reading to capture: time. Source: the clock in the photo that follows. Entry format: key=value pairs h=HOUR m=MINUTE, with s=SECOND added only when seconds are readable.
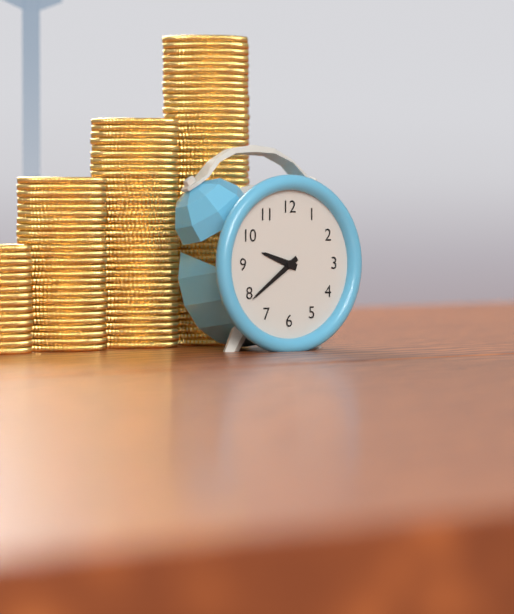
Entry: h=9 m=39
